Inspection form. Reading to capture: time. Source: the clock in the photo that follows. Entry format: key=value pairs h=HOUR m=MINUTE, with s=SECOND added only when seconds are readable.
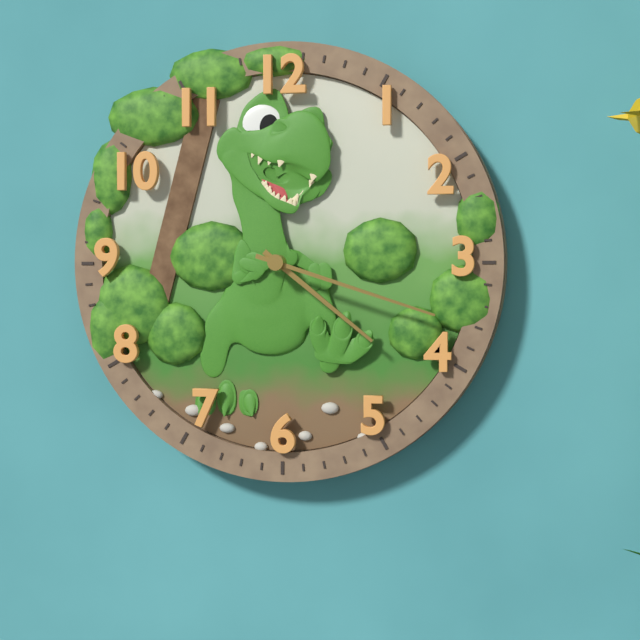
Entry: h=4 m=18
